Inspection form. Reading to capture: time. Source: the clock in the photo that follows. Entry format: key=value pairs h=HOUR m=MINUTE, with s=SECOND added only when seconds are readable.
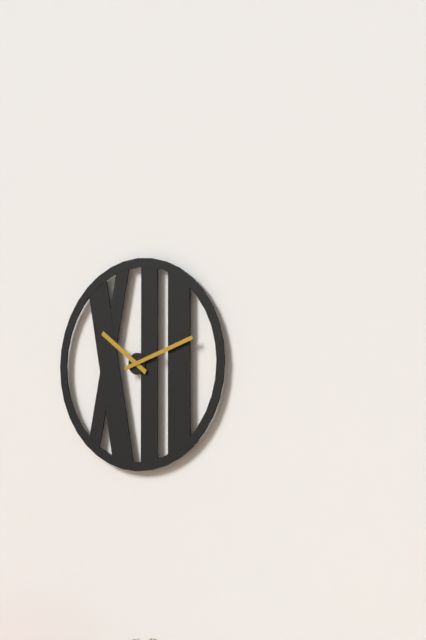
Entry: h=10 m=12
